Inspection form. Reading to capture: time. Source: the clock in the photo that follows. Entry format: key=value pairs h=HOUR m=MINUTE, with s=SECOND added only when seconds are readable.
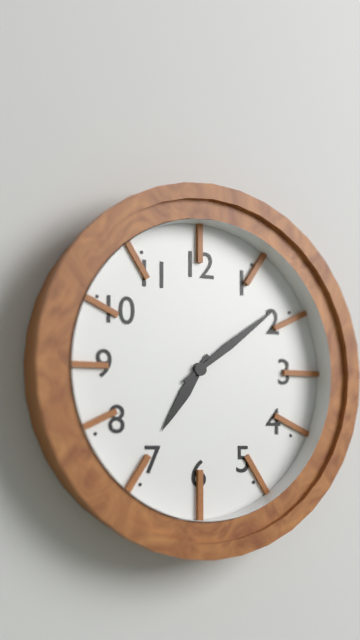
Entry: h=7 m=9
